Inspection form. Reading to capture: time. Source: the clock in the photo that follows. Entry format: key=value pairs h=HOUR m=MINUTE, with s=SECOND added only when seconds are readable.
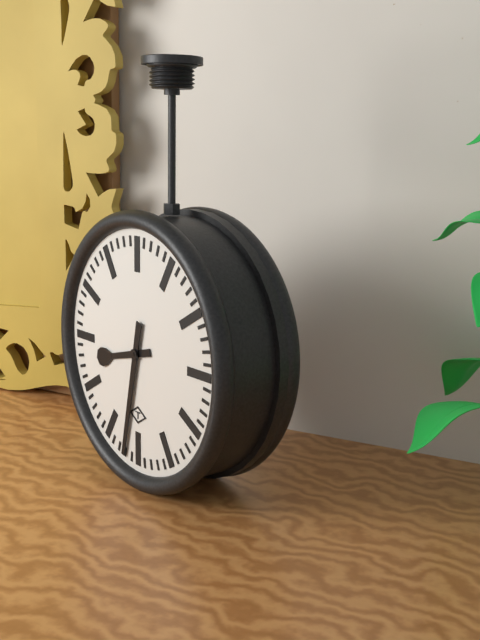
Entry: h=8 m=32
